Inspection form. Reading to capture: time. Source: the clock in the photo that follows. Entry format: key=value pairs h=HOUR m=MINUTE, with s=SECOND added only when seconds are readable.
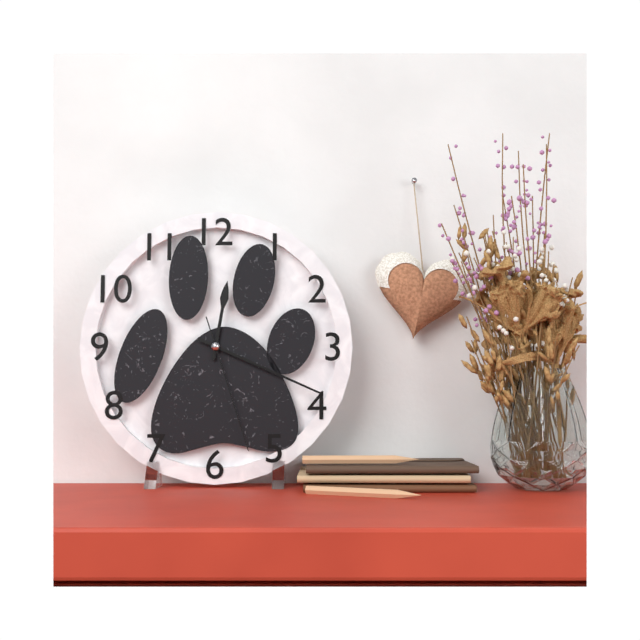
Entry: h=12 m=19 s=27
